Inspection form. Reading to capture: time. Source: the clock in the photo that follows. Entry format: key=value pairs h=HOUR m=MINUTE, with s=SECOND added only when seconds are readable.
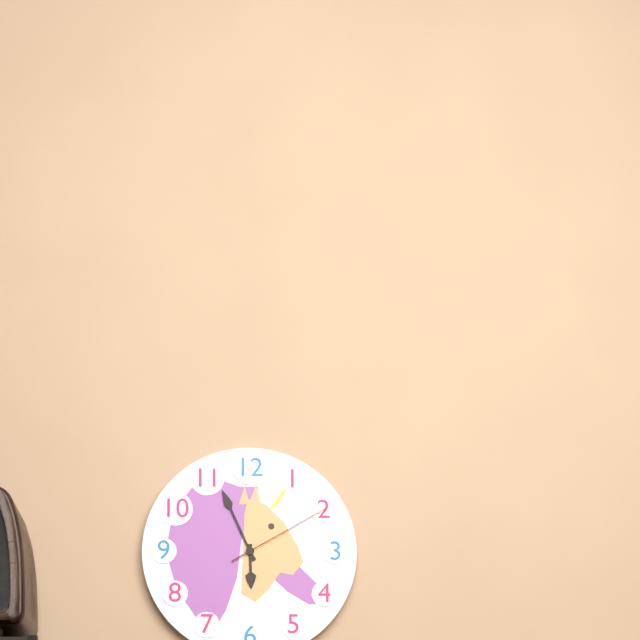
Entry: h=5 m=56 s=10
